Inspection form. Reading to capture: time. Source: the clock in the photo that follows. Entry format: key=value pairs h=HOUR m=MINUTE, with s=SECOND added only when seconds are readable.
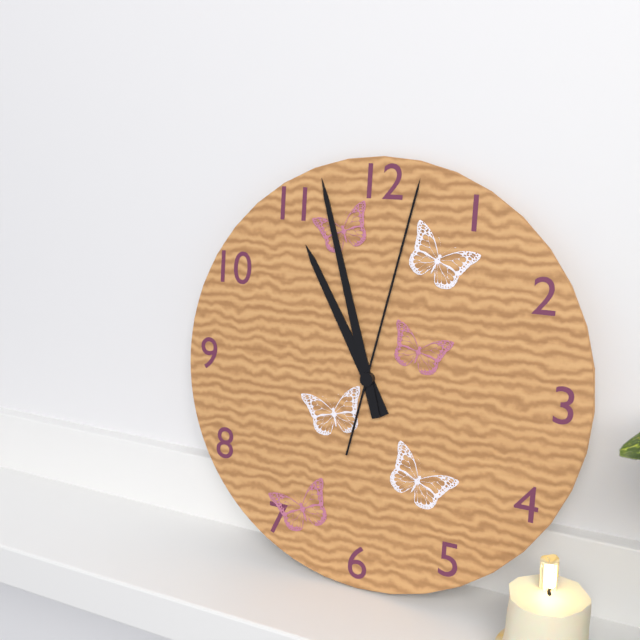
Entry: h=10 m=57 s=2
